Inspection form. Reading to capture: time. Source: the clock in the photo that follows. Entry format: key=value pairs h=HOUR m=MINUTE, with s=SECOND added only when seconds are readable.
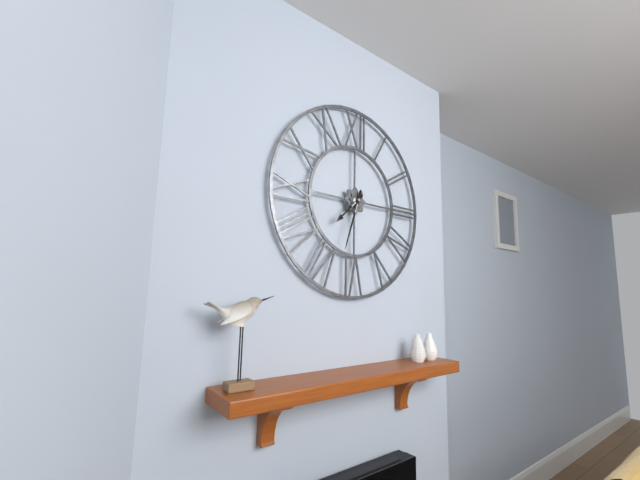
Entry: h=7 m=33
